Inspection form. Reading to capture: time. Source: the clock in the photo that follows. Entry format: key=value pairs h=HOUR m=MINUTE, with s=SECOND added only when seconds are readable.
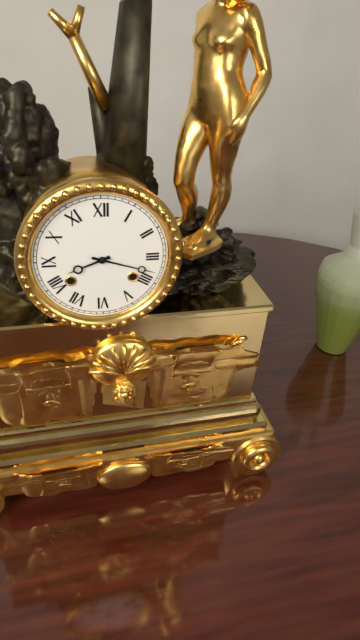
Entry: h=8 m=18
